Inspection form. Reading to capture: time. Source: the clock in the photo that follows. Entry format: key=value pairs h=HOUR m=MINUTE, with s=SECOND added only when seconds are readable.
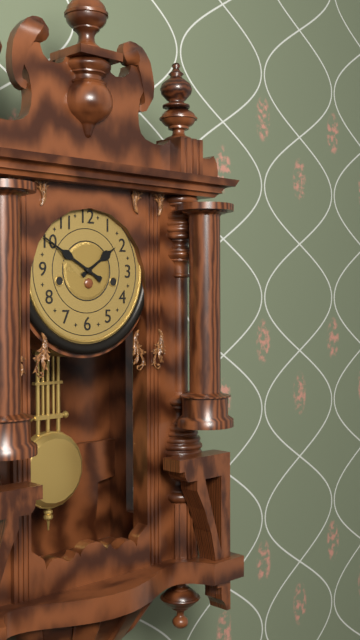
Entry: h=1 m=50
